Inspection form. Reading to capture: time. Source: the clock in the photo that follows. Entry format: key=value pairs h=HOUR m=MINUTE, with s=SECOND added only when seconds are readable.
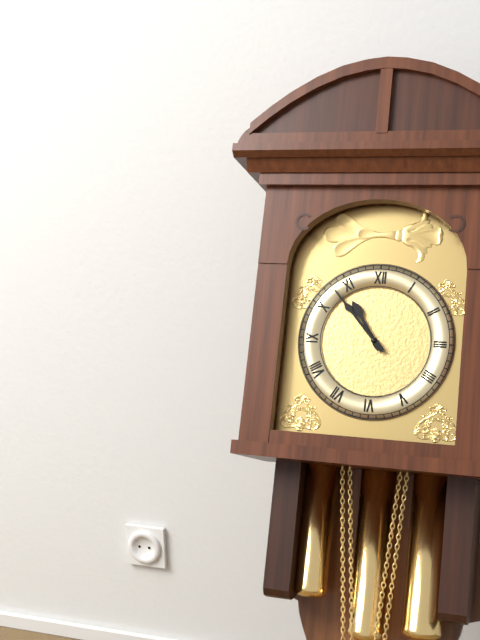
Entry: h=10 m=53
